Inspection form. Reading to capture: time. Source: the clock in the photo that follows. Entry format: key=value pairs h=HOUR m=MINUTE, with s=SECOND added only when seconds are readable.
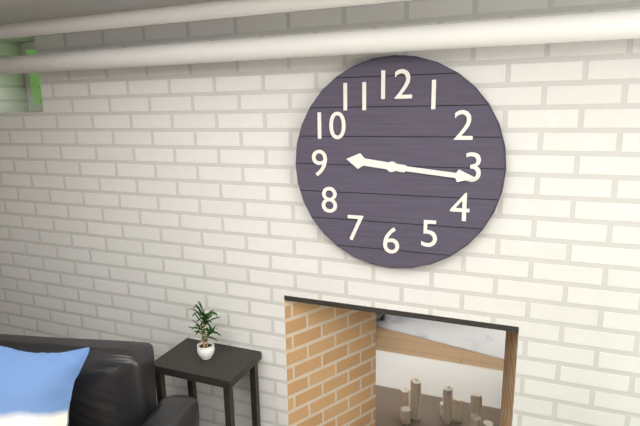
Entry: h=9 m=16
